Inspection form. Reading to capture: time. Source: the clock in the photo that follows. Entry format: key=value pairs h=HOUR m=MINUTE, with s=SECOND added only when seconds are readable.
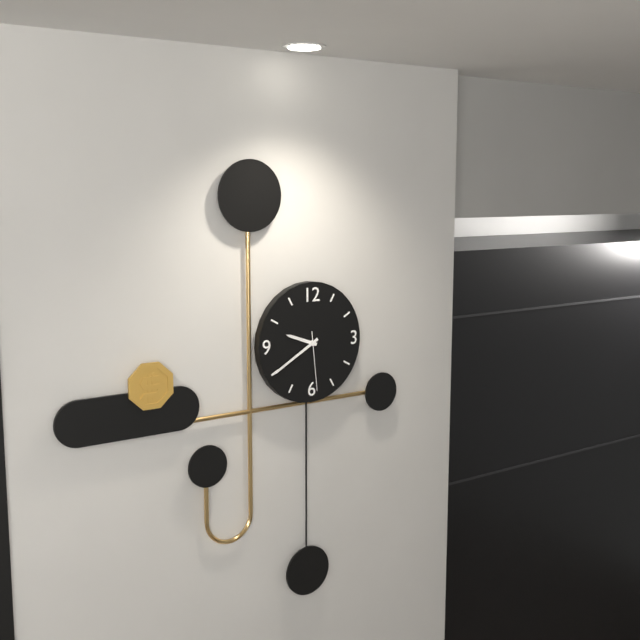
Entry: h=9 m=40 s=29
